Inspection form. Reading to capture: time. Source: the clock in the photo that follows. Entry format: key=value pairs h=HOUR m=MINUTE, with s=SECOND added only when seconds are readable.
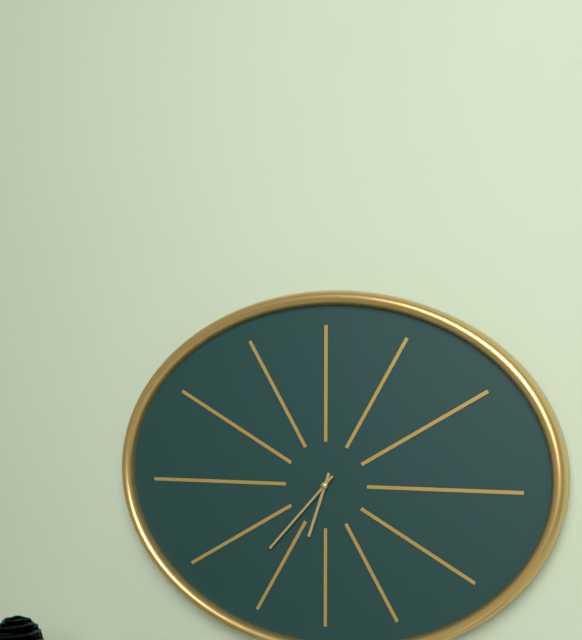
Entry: h=6 m=37
